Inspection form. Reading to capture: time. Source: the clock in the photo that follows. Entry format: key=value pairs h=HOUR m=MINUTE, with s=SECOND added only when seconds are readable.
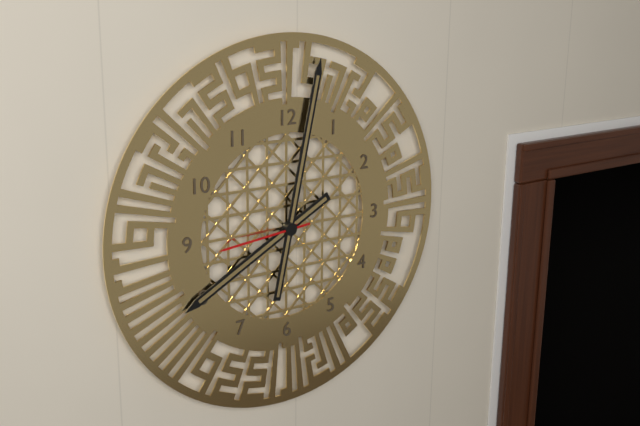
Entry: h=8 m=2 s=44
